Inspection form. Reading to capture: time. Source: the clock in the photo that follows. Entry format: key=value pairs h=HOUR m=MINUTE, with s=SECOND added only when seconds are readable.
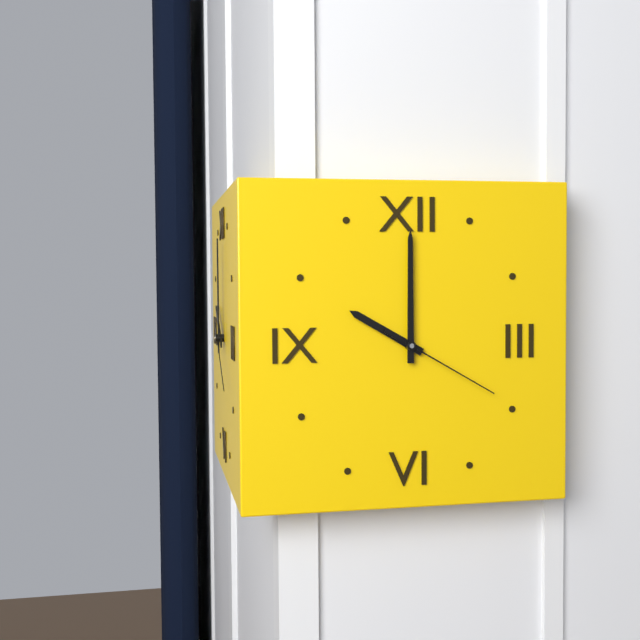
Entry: h=10 m=0 s=20
